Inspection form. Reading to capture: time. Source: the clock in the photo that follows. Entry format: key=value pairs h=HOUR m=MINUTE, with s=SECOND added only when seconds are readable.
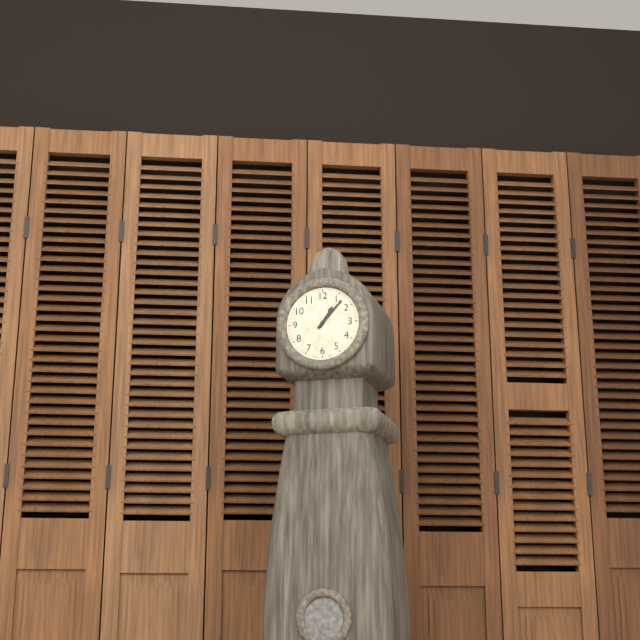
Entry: h=1 m=7
